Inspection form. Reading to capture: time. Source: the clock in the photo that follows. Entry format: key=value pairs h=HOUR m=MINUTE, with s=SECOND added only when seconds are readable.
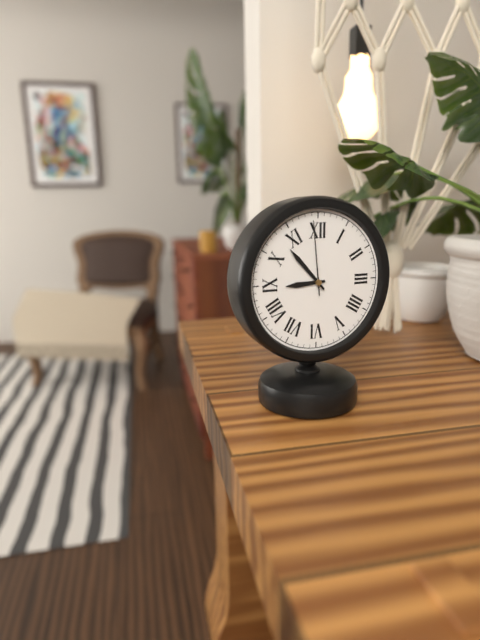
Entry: h=8 m=53 s=59
